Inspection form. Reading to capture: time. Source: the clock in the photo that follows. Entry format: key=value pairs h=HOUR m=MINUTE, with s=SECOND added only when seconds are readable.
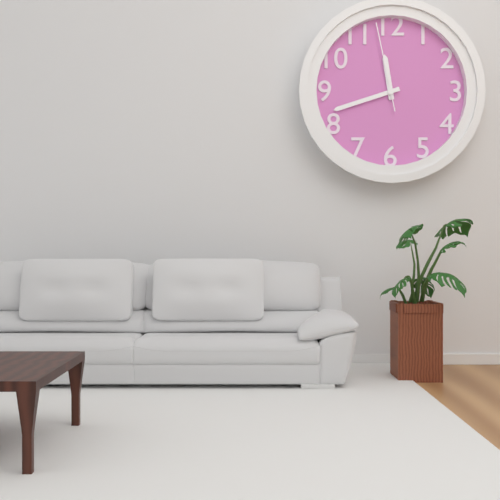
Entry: h=11 m=42 s=58
